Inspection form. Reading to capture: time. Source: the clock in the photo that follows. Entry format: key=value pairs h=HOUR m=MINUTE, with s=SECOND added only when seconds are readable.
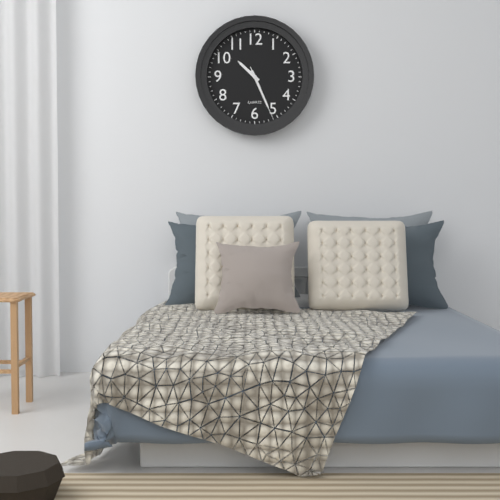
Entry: h=10 m=26 s=26
